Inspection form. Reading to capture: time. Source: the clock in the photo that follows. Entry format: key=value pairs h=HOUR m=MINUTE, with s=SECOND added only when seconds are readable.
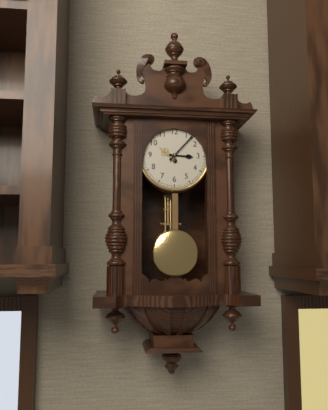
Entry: h=3 m=7
